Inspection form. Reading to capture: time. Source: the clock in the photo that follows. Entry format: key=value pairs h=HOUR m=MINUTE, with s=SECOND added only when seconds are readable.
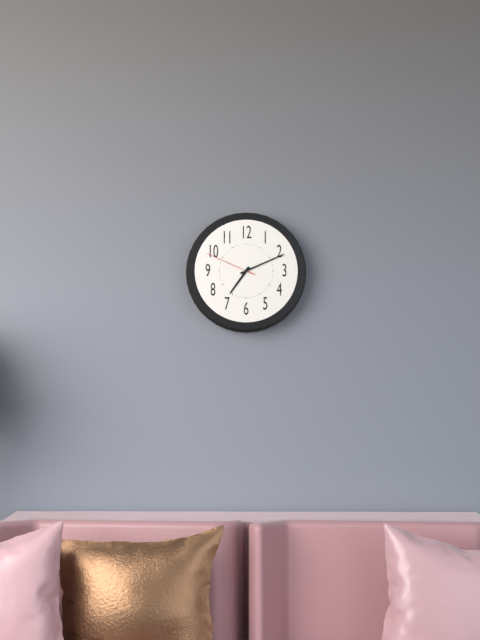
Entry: h=7 m=11 s=49
